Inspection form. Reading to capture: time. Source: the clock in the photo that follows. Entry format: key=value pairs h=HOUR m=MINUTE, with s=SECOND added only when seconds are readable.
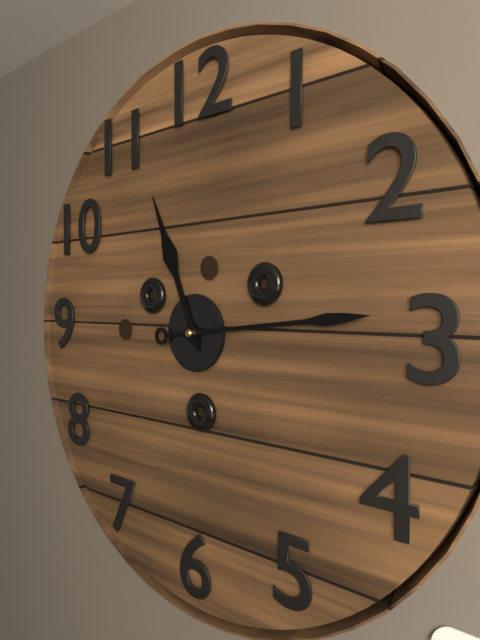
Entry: h=11 m=14
